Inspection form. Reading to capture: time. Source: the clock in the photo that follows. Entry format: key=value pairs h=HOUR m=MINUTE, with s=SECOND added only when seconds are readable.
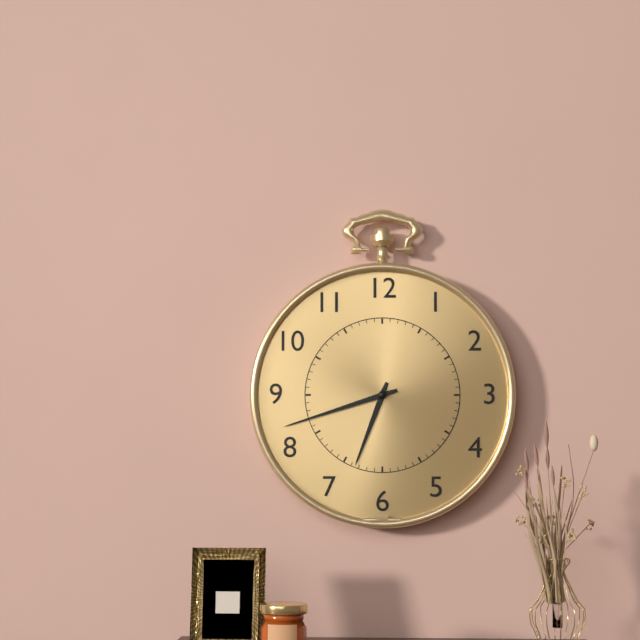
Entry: h=6 m=42
